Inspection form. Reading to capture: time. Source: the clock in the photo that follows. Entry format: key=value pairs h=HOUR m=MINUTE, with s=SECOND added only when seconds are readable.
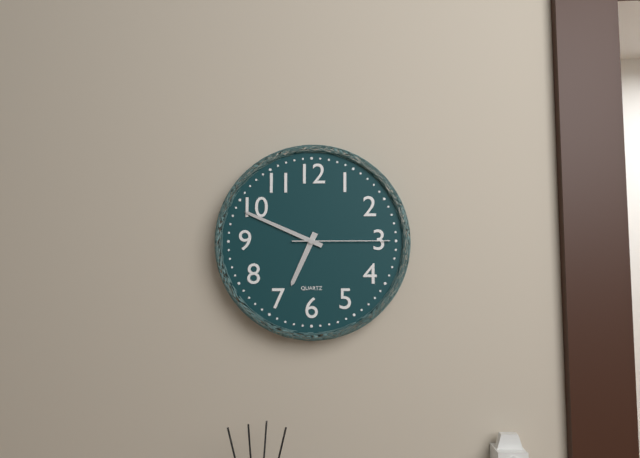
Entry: h=6 m=49 s=15
